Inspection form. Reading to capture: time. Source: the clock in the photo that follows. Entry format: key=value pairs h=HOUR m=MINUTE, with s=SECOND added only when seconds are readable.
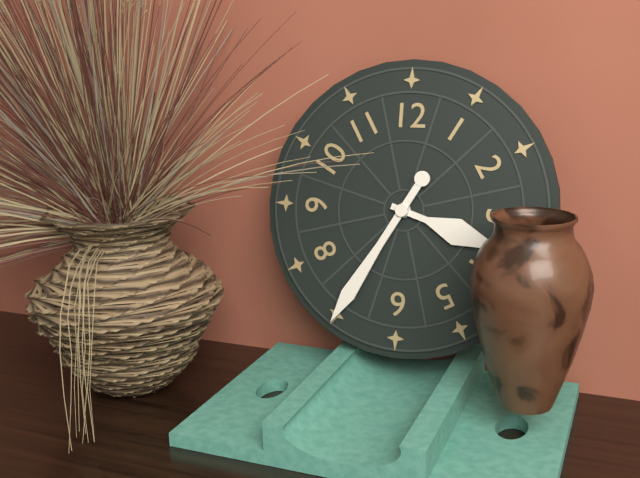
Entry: h=3 m=35
